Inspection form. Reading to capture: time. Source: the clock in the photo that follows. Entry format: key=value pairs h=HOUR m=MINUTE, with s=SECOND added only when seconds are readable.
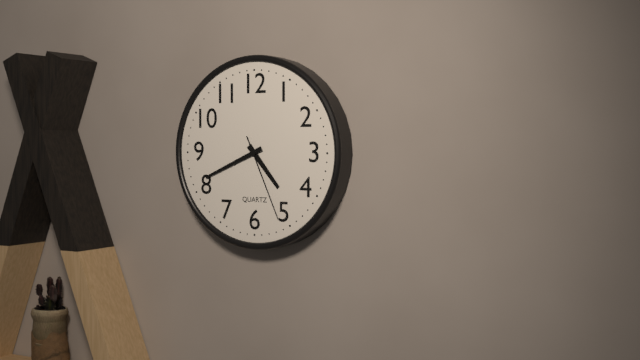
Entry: h=4 m=41 s=26
